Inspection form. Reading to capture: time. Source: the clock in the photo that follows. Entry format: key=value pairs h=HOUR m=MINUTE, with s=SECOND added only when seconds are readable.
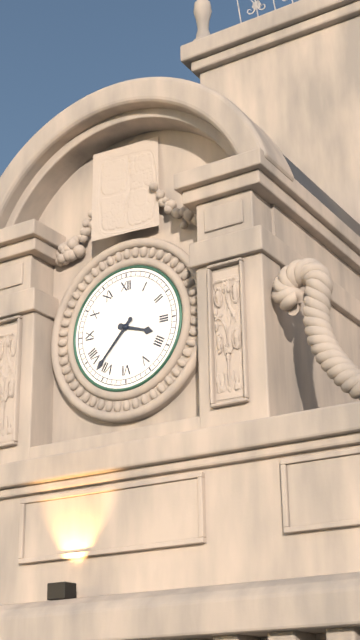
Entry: h=3 m=37
